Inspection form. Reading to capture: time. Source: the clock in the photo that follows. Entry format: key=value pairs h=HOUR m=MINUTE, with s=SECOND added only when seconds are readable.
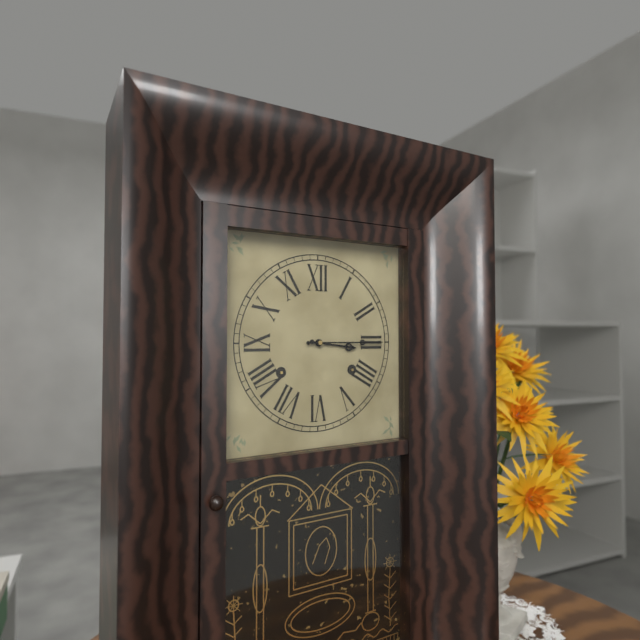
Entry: h=3 m=15
